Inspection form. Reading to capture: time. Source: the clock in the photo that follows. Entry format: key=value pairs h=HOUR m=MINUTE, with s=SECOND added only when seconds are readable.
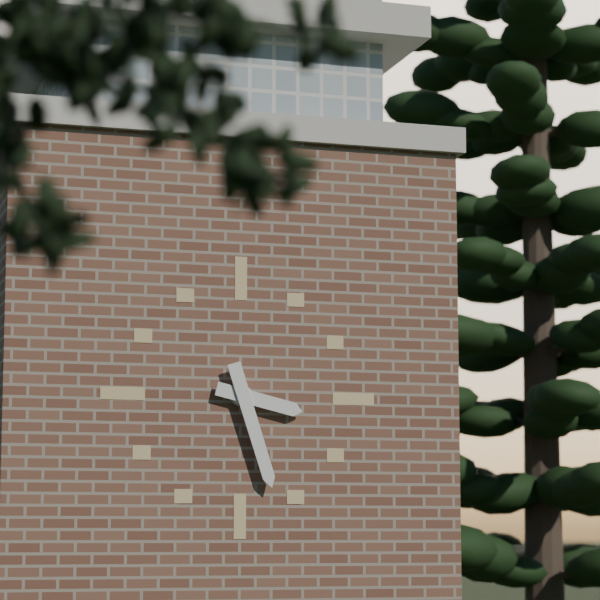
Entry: h=3 m=27
